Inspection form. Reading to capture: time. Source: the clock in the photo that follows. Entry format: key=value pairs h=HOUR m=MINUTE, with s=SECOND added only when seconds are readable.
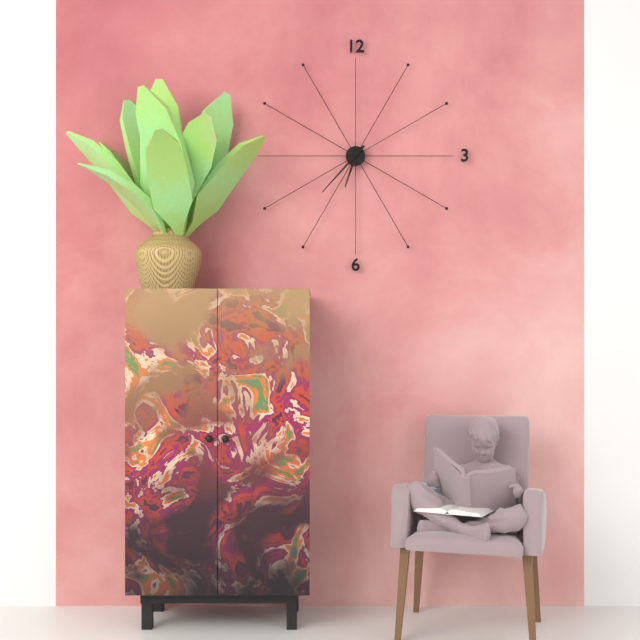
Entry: h=6 m=37
